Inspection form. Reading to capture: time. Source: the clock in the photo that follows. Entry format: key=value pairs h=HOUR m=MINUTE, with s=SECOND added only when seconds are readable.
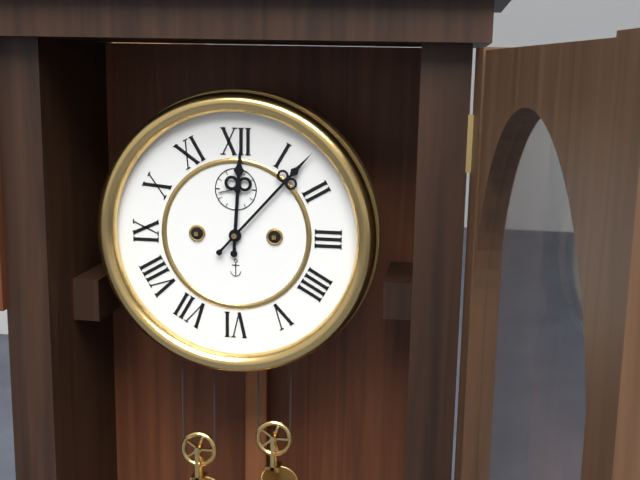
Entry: h=12 m=7
